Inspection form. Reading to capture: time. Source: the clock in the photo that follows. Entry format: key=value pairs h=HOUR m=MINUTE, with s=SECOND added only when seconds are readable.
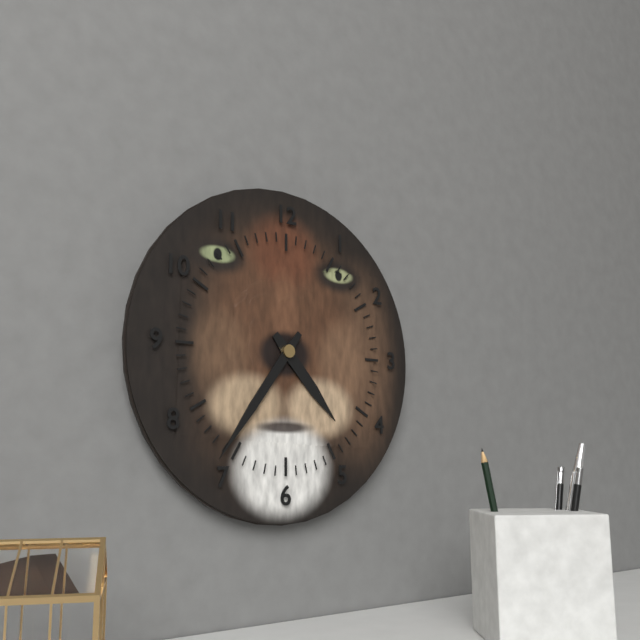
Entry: h=4 m=36
